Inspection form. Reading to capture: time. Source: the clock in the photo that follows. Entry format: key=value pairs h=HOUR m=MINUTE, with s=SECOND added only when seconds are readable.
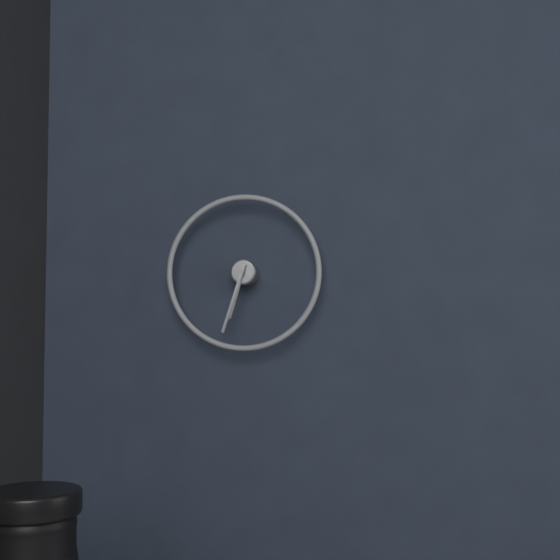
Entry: h=6 m=33
